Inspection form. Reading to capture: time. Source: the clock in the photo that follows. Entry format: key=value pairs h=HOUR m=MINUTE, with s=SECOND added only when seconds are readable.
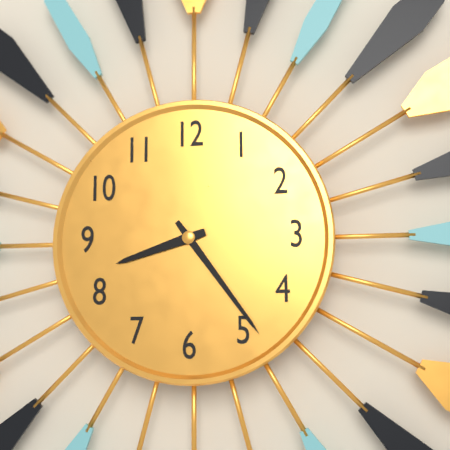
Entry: h=8 m=24
